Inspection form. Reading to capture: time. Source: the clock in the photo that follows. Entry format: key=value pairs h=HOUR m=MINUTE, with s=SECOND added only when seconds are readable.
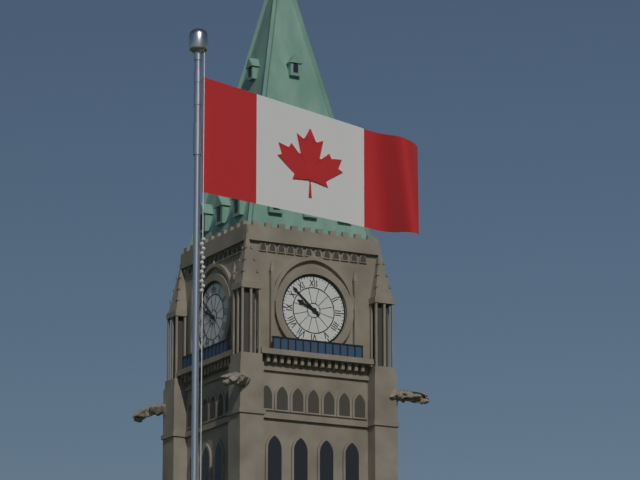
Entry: h=9 m=52
